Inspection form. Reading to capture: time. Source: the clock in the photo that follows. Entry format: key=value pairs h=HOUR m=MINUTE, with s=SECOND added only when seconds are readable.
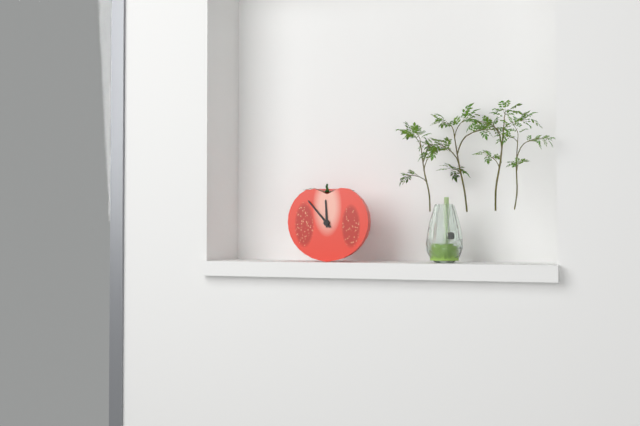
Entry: h=11 m=53
